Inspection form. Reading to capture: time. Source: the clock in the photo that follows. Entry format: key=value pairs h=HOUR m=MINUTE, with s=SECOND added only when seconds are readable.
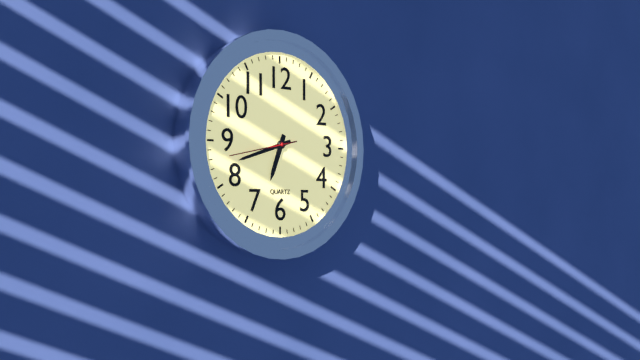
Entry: h=6 m=42
